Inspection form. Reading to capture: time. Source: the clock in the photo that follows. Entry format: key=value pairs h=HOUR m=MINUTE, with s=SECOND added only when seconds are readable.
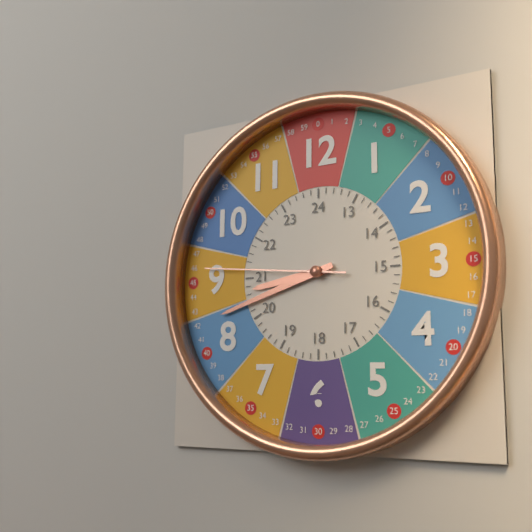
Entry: h=8 m=42 s=46
